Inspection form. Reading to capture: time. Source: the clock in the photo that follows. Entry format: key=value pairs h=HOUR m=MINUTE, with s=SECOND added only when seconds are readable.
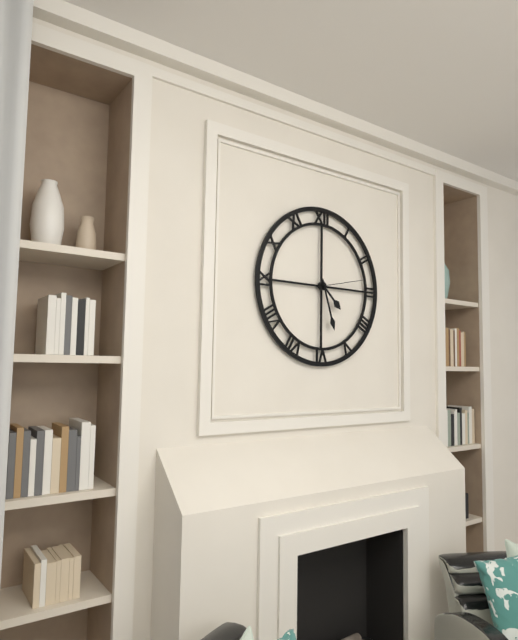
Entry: h=4 m=27 s=13
